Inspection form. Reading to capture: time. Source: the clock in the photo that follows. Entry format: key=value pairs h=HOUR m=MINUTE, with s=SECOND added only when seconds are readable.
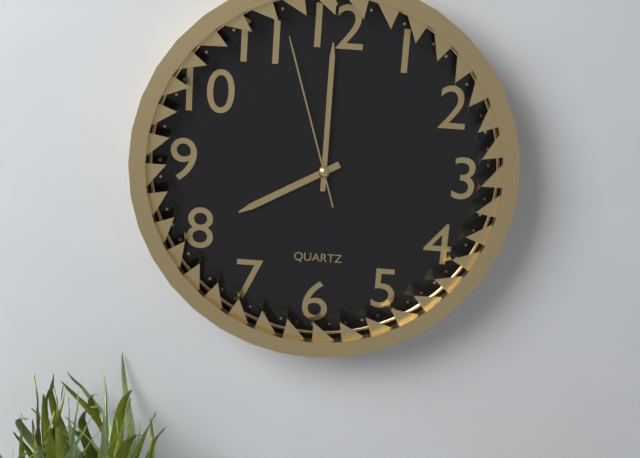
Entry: h=8 m=0 s=57
